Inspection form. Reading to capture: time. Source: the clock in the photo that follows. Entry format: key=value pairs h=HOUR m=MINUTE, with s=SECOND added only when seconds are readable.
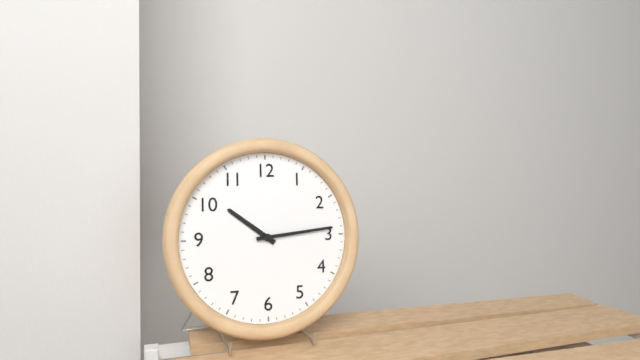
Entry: h=10 m=14
